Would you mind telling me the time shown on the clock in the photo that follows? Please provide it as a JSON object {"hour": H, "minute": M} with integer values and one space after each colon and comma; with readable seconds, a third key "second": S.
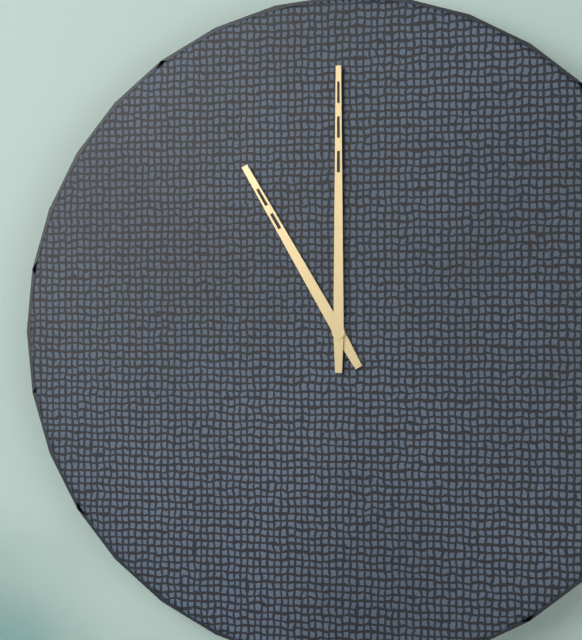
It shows {"hour": 11, "minute": 0}
